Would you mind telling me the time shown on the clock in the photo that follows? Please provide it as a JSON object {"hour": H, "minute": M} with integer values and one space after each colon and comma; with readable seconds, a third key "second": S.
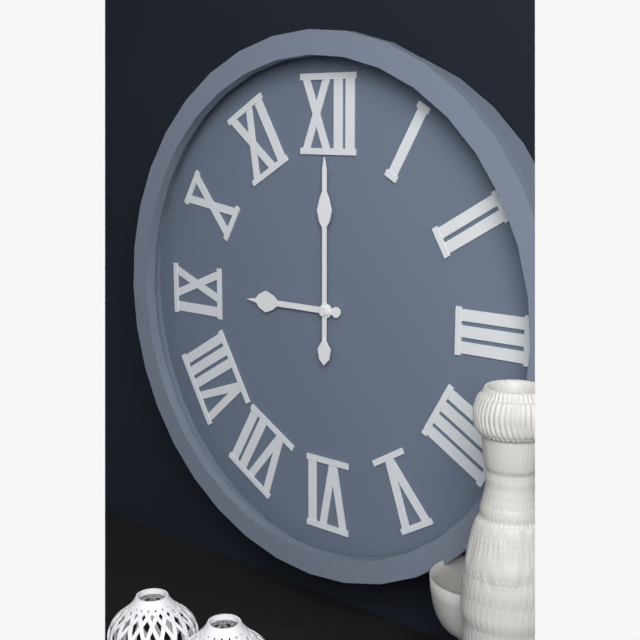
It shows {"hour": 9, "minute": 0}
